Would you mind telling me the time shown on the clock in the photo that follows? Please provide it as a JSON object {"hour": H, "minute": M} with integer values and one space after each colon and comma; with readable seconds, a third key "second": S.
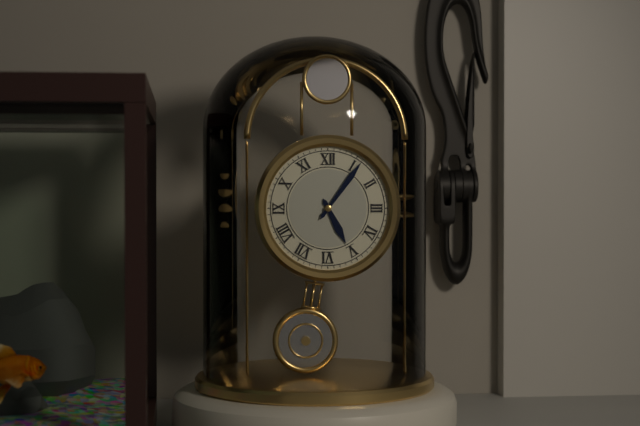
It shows {"hour": 5, "minute": 6}
